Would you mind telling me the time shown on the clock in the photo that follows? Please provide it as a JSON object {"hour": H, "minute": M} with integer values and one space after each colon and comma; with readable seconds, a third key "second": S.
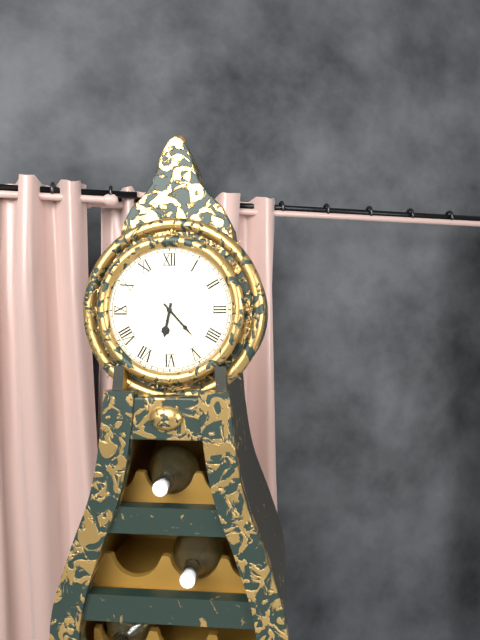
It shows {"hour": 6, "minute": 23}
